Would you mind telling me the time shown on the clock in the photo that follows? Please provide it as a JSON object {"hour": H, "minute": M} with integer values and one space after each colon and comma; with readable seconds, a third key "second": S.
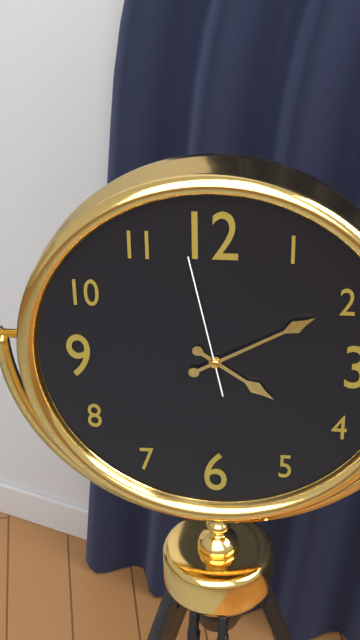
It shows {"hour": 4, "minute": 10, "second": 58}
